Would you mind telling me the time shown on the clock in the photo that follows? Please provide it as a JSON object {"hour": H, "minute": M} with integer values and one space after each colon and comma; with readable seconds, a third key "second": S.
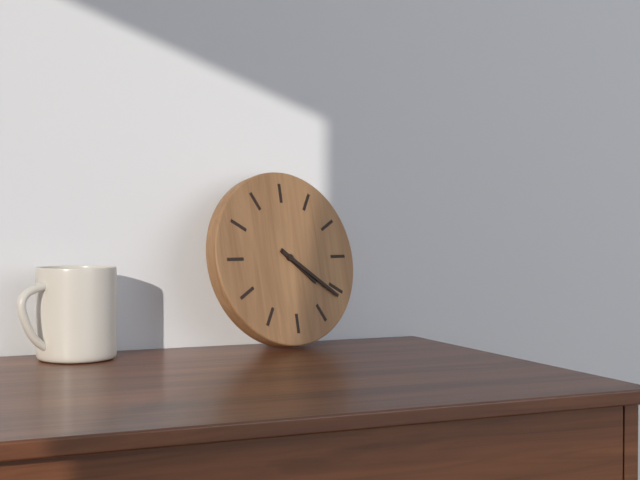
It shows {"hour": 4, "minute": 21}
